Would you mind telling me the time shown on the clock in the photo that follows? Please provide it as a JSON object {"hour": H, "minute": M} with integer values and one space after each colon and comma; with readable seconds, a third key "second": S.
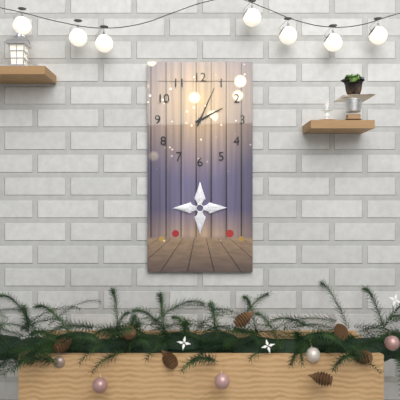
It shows {"hour": 2, "minute": 4}
